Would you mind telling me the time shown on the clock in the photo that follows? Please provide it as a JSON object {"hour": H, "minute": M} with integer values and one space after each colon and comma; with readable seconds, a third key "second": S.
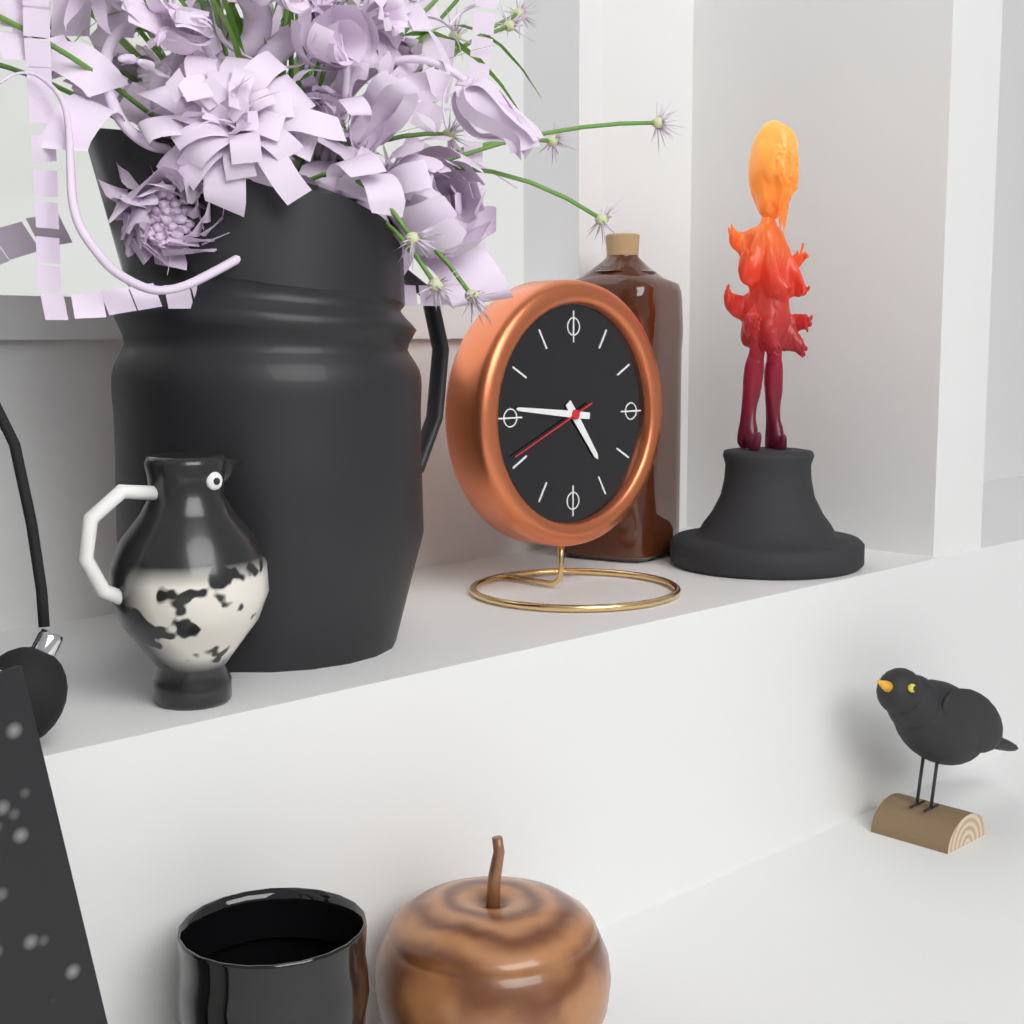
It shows {"hour": 4, "minute": 46, "second": 41}
